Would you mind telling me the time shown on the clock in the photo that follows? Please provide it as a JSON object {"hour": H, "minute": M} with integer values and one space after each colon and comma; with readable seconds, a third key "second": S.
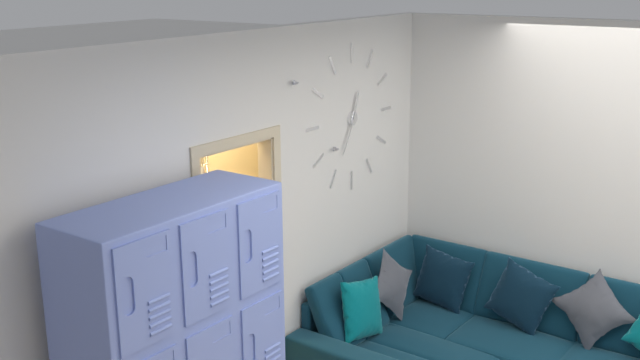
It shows {"hour": 12, "minute": 35}
